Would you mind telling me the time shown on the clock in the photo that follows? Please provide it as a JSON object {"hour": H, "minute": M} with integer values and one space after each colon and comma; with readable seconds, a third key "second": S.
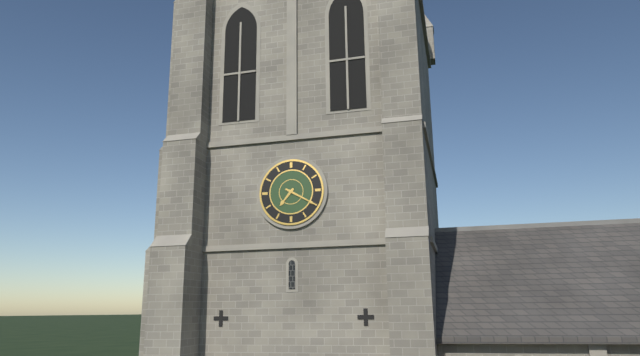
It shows {"hour": 7, "minute": 20}
